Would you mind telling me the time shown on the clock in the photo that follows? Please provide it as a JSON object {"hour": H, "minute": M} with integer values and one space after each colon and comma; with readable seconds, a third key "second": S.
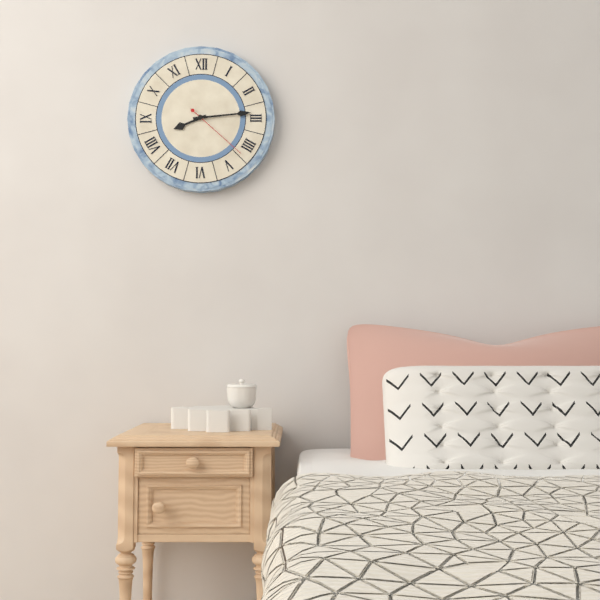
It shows {"hour": 8, "minute": 14, "second": 22}
